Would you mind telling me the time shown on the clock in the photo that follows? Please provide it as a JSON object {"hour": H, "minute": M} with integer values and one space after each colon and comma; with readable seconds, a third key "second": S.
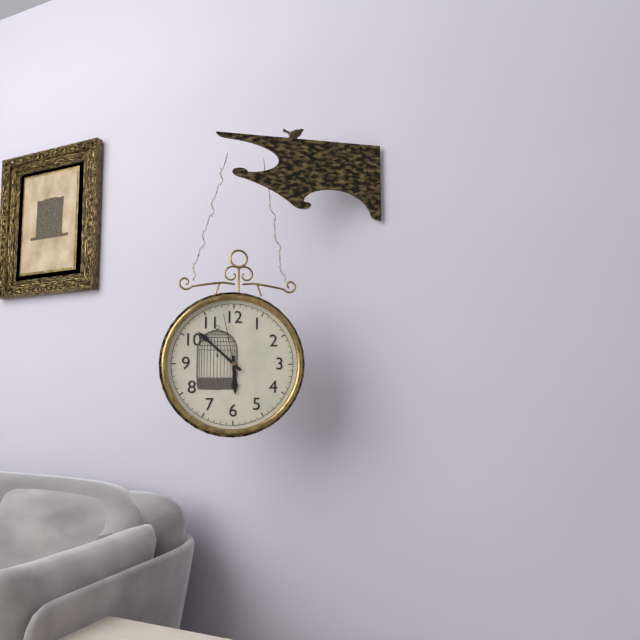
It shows {"hour": 5, "minute": 52, "second": 58}
